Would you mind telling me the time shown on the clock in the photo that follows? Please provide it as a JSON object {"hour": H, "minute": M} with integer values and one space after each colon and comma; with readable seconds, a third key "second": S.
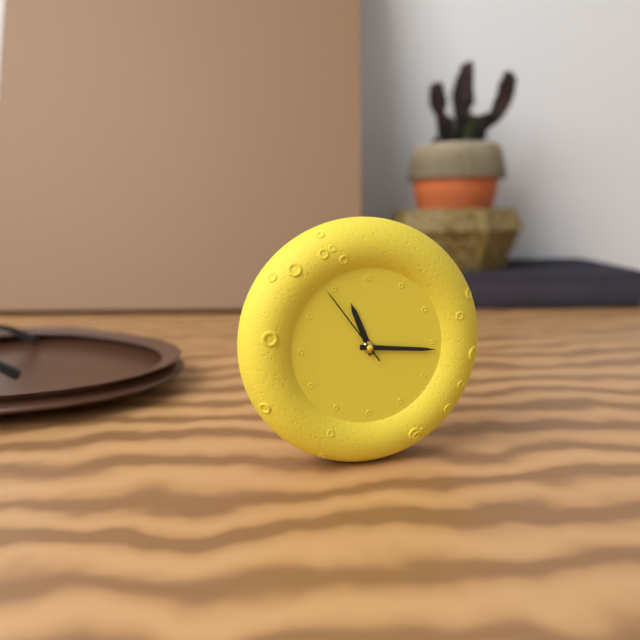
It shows {"hour": 11, "minute": 16, "second": 54}
